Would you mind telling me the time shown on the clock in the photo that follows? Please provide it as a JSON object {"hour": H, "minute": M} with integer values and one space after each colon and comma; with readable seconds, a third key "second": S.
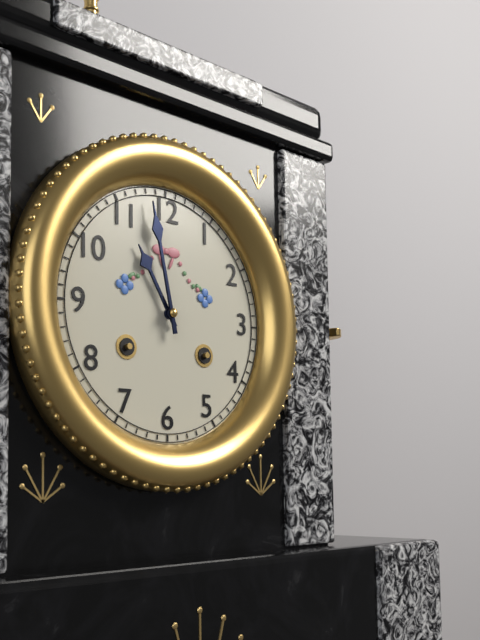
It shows {"hour": 10, "minute": 58}
